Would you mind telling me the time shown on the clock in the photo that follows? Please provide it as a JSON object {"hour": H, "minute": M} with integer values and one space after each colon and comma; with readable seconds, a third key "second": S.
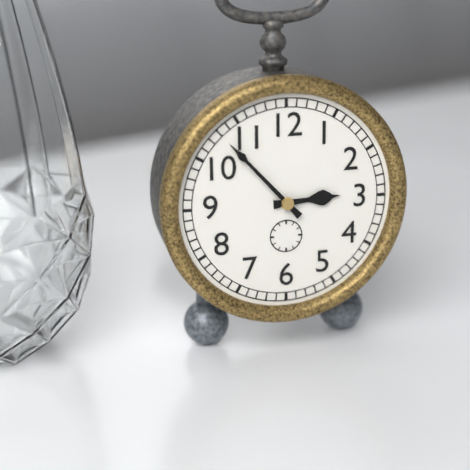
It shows {"hour": 2, "minute": 53}
